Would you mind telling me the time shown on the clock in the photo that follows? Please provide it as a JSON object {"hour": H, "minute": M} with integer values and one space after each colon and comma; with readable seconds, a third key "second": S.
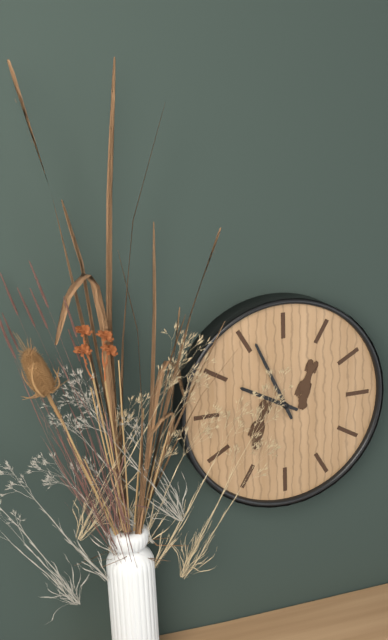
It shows {"hour": 9, "minute": 56}
